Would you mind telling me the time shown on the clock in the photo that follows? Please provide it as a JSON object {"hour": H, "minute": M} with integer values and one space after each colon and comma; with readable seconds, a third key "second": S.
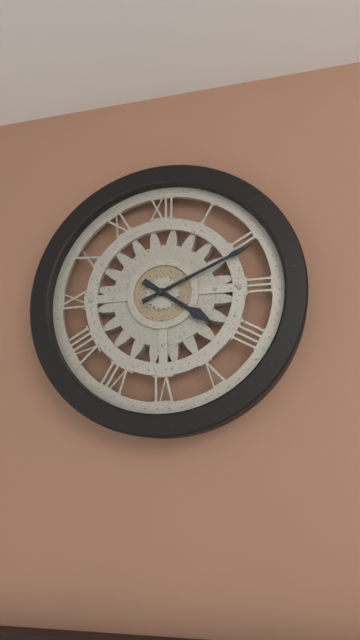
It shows {"hour": 4, "minute": 11}
